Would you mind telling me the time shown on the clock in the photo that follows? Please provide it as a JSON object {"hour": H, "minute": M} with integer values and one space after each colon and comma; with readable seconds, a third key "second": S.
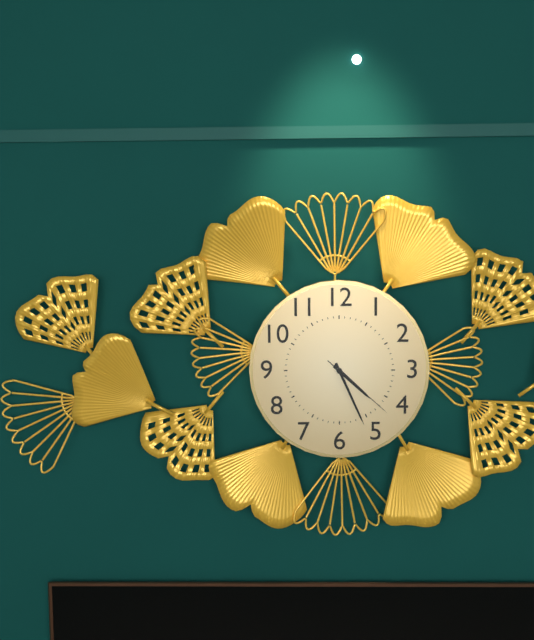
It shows {"hour": 4, "minute": 26, "second": 22}
